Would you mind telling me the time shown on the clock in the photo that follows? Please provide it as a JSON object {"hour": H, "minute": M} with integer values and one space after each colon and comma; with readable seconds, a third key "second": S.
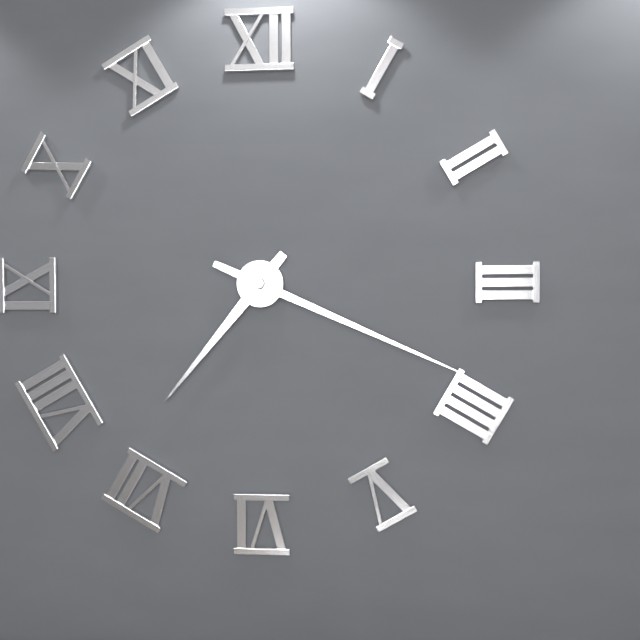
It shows {"hour": 7, "minute": 19}
